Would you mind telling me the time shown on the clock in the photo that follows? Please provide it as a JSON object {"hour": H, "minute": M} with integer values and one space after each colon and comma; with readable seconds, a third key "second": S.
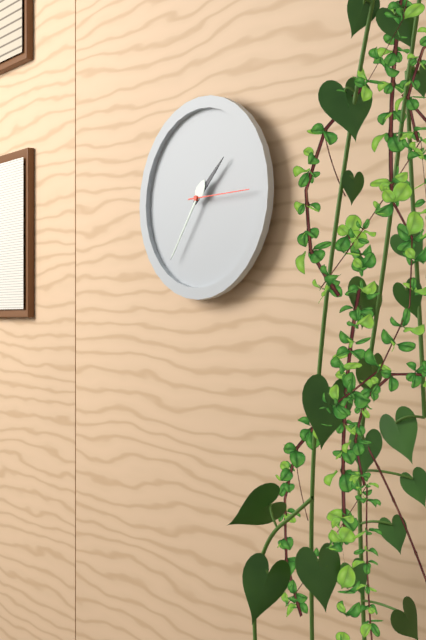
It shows {"hour": 1, "minute": 36, "second": 15}
